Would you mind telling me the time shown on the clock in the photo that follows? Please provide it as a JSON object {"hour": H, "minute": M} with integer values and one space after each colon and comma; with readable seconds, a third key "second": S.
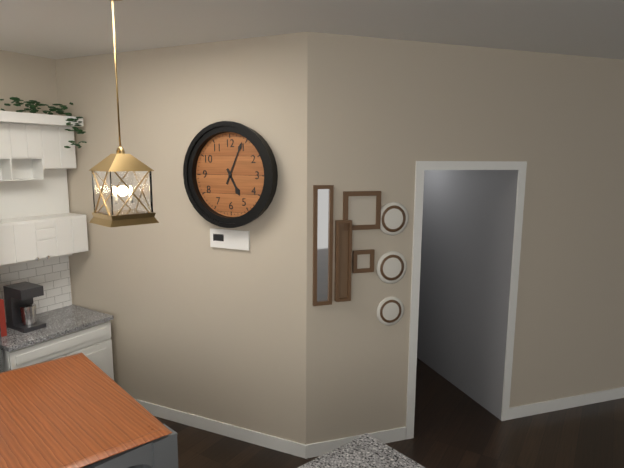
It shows {"hour": 5, "minute": 4}
